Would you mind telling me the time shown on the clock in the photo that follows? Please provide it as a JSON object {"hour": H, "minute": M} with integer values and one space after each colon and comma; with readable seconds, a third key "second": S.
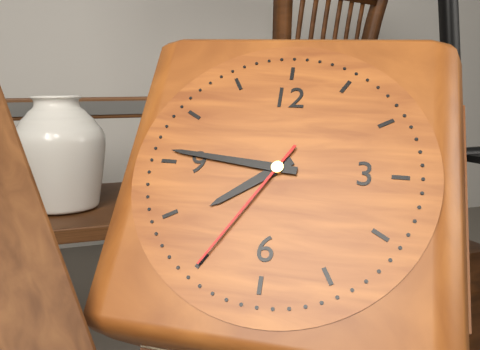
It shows {"hour": 7, "minute": 46, "second": 35}
